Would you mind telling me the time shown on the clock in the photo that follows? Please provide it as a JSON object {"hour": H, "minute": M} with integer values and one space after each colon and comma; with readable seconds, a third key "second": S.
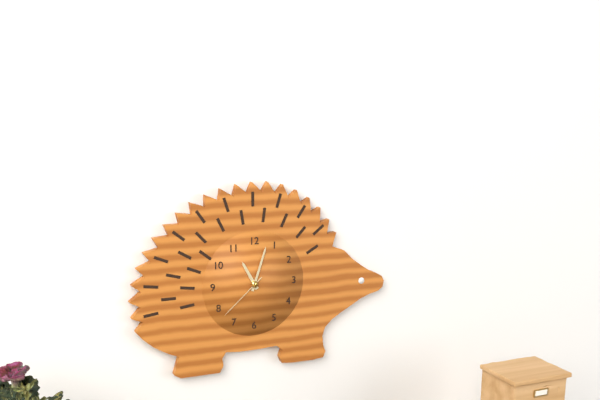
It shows {"hour": 11, "minute": 3, "second": 38}
